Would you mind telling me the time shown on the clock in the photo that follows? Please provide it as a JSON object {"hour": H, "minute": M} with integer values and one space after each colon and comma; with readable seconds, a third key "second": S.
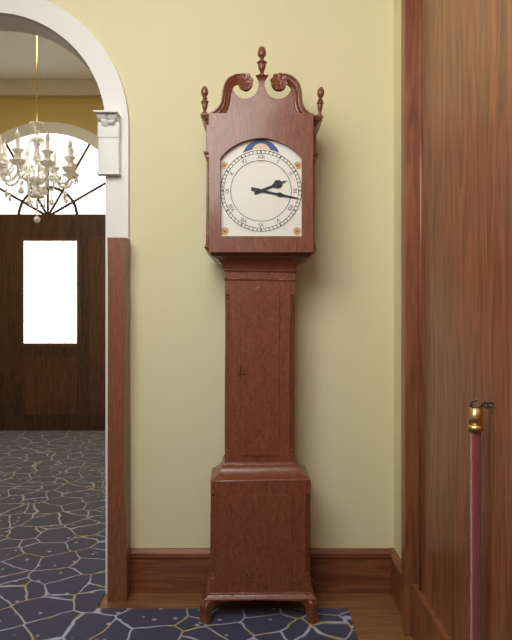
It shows {"hour": 2, "minute": 17}
